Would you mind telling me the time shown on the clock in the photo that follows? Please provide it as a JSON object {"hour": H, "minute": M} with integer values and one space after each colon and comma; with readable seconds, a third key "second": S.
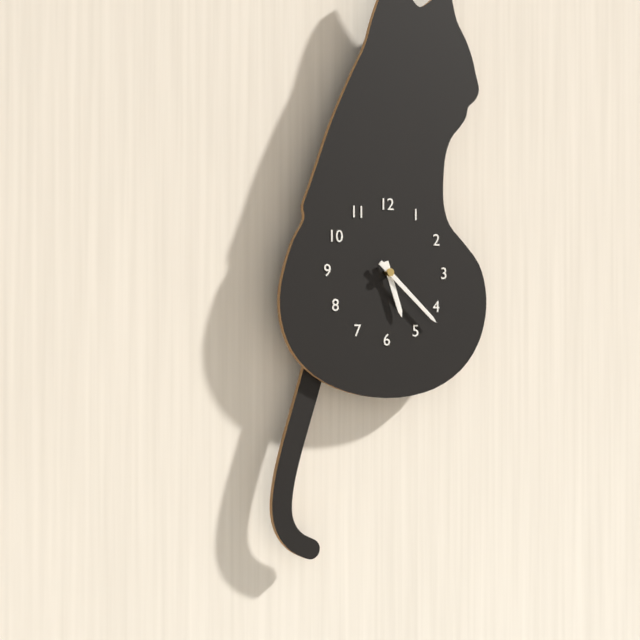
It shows {"hour": 5, "minute": 22}
